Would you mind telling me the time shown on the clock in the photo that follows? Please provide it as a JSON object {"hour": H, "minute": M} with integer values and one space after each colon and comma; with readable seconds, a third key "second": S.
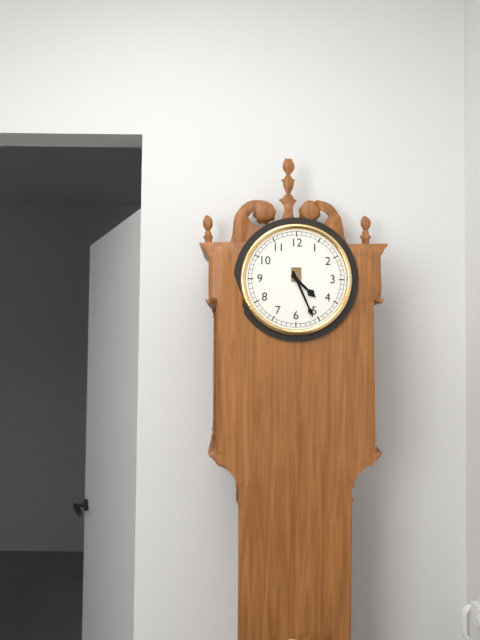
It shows {"hour": 4, "minute": 26}
